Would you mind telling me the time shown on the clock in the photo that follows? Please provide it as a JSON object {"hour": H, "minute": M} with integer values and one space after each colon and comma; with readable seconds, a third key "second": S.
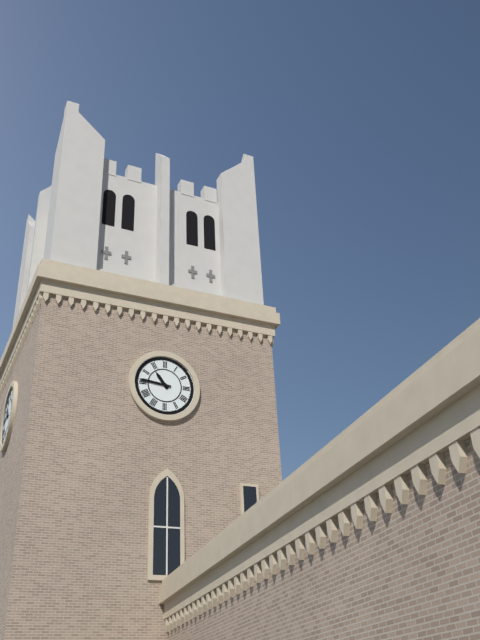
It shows {"hour": 10, "minute": 46}
